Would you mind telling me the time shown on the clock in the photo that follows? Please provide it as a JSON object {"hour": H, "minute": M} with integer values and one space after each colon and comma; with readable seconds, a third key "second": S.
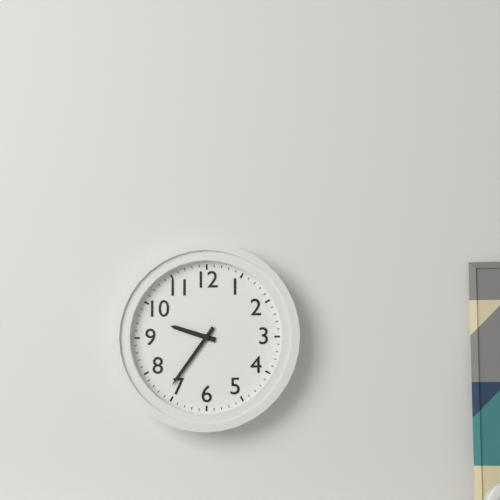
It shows {"hour": 9, "minute": 36}
